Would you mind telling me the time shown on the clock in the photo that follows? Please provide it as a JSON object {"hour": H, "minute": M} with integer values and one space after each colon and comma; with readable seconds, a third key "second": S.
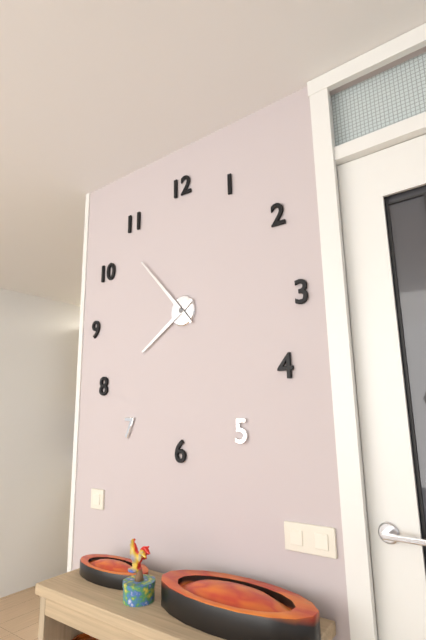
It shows {"hour": 7, "minute": 53}
